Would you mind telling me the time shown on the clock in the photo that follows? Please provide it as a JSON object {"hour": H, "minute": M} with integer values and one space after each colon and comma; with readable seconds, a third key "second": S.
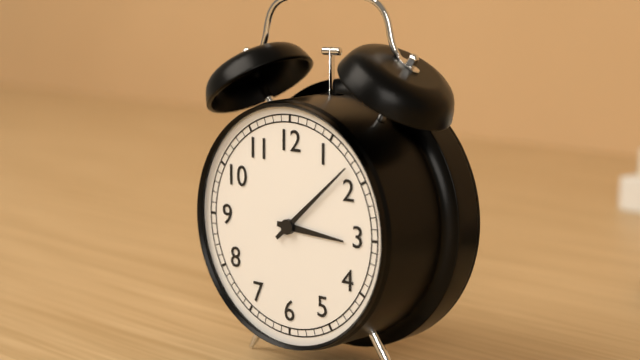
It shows {"hour": 3, "minute": 8}
